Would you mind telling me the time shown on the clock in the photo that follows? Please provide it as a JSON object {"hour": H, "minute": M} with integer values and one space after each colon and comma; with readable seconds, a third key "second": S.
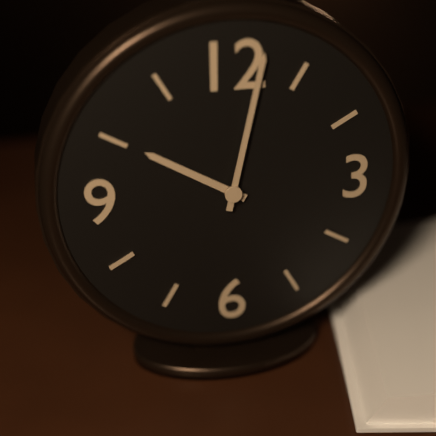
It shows {"hour": 10, "minute": 2}
